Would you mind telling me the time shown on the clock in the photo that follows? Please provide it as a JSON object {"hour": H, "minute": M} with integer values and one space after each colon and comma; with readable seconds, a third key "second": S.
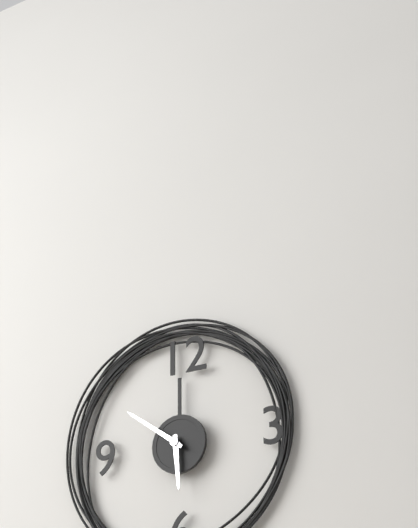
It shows {"hour": 5, "minute": 51}
